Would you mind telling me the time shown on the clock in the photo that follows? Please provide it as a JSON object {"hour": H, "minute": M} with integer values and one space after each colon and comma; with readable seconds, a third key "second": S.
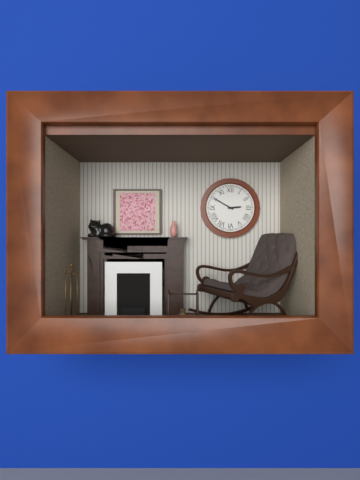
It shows {"hour": 2, "minute": 50}
